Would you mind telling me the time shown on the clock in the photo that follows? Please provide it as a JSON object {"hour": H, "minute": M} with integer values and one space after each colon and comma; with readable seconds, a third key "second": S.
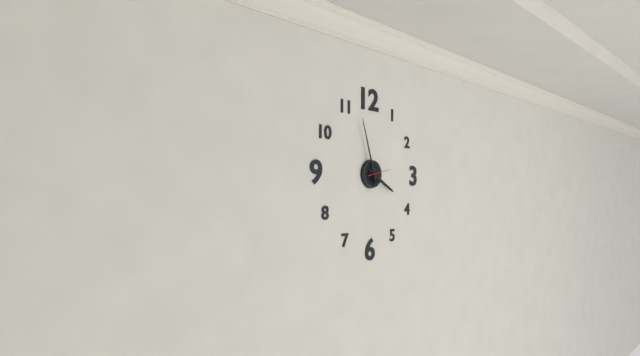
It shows {"hour": 3, "minute": 57}
